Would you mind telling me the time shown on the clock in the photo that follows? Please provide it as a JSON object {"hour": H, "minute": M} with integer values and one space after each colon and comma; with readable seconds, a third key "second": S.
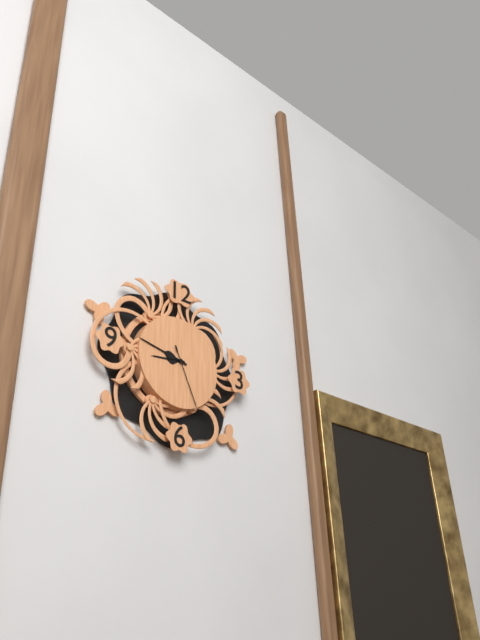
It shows {"hour": 8, "minute": 47, "second": 26}
